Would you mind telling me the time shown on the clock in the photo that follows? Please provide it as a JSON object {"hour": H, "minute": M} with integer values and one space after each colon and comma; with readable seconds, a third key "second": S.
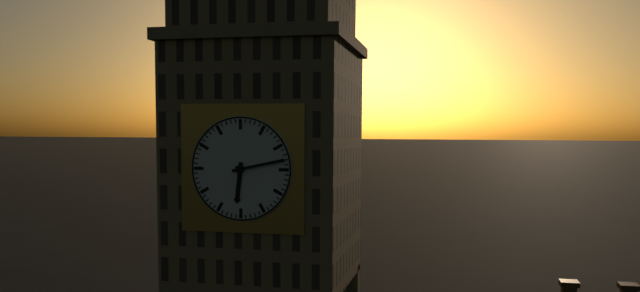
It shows {"hour": 6, "minute": 13}
